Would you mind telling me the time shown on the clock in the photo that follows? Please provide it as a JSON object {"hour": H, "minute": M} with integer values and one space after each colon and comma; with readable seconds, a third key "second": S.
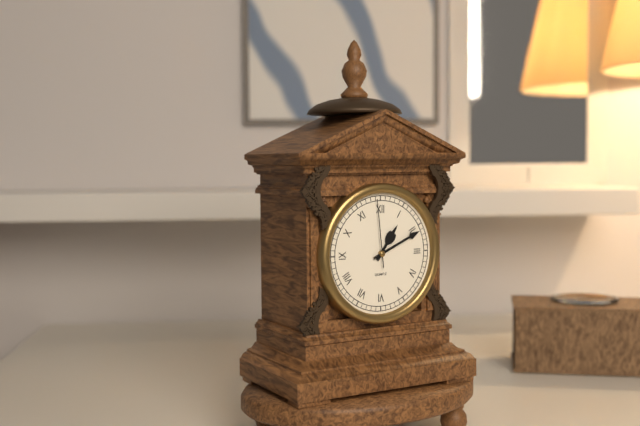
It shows {"hour": 1, "minute": 11, "second": 59}
